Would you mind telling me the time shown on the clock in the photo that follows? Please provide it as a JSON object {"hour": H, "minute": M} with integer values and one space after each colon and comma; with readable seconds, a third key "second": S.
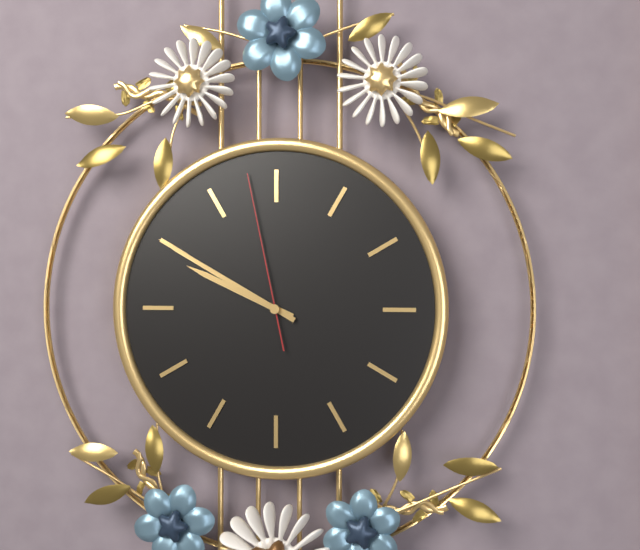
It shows {"hour": 9, "minute": 50, "second": 58}
